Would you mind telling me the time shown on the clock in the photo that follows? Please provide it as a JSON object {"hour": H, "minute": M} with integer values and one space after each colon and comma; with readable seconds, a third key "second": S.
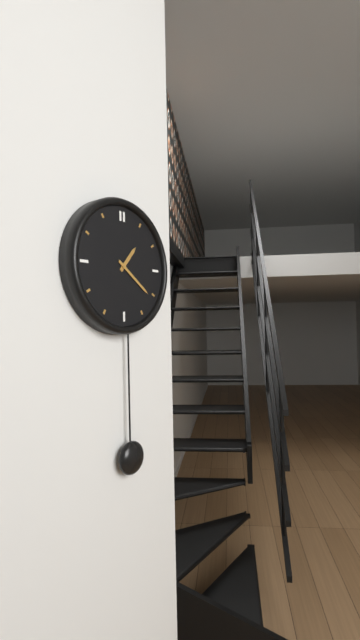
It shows {"hour": 1, "minute": 21}
